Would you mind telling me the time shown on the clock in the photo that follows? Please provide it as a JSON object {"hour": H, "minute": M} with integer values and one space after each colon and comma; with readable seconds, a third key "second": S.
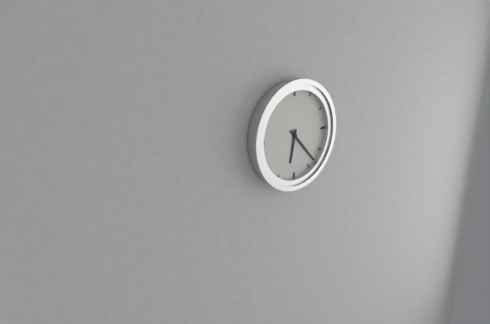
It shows {"hour": 6, "minute": 23}
